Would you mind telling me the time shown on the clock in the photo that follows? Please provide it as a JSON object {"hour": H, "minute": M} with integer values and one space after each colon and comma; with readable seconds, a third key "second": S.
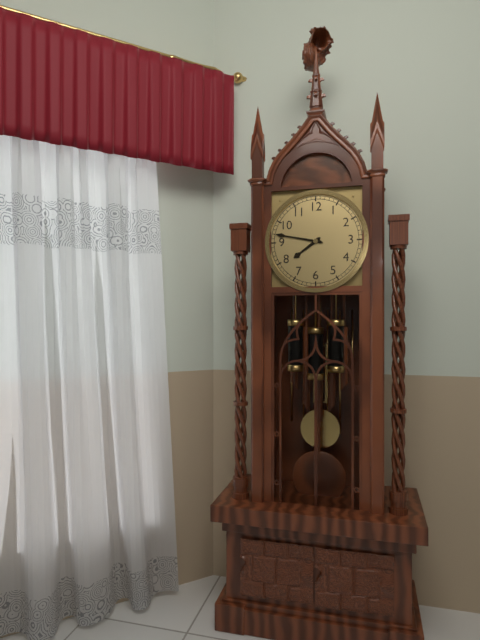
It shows {"hour": 7, "minute": 47}
